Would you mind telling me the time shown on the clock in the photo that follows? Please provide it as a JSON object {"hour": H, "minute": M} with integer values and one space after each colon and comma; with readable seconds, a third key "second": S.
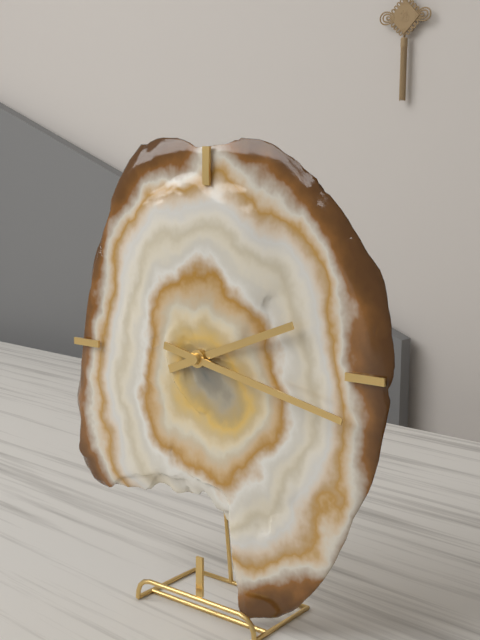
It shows {"hour": 2, "minute": 17}
